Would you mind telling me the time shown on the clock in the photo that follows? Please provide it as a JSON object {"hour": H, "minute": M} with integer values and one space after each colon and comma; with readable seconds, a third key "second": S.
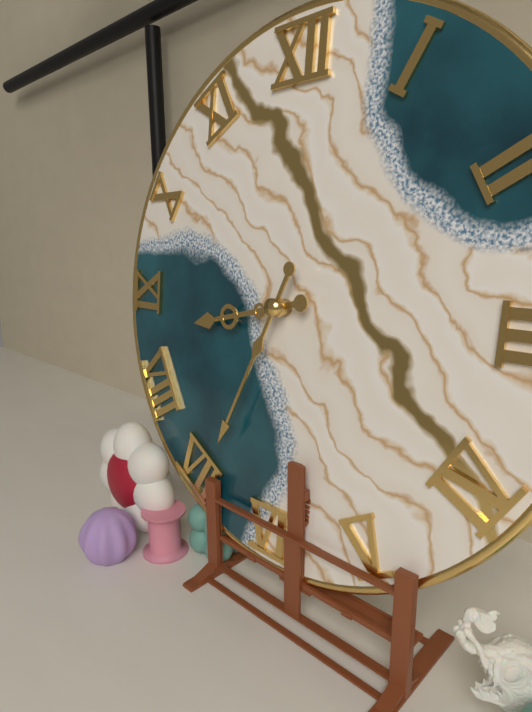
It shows {"hour": 8, "minute": 34}
